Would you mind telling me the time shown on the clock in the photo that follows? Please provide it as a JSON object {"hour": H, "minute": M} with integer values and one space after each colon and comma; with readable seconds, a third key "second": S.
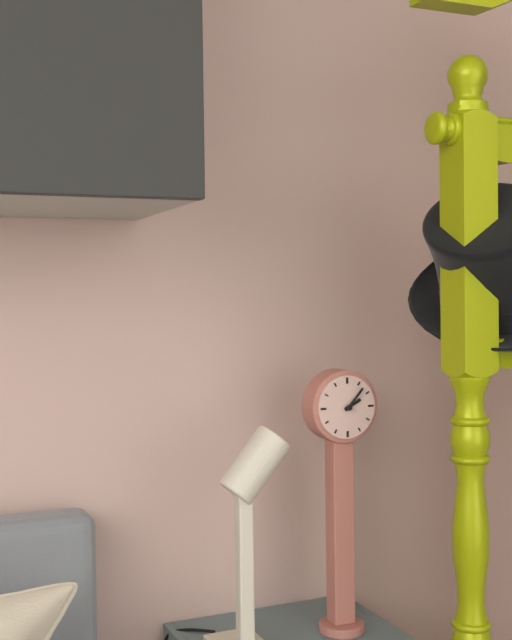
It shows {"hour": 2, "minute": 7}
